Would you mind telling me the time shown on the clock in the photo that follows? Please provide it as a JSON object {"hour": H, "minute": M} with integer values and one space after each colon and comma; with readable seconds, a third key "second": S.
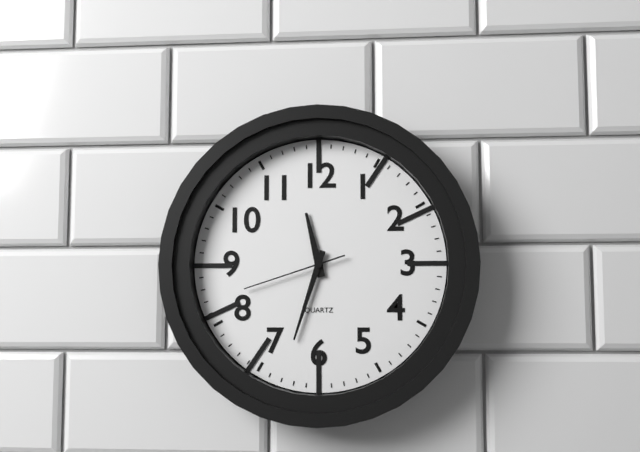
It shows {"hour": 11, "minute": 33, "second": 42}
